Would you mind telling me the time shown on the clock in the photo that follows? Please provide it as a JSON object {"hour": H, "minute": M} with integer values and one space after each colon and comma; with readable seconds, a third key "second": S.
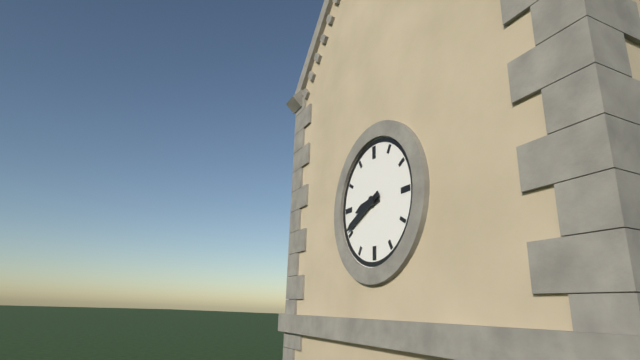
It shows {"hour": 8, "minute": 41}
